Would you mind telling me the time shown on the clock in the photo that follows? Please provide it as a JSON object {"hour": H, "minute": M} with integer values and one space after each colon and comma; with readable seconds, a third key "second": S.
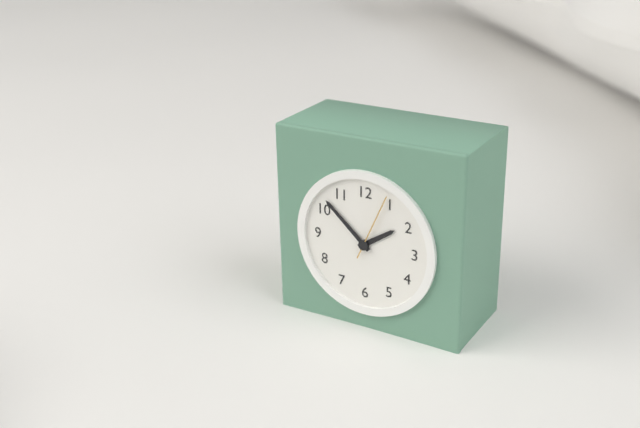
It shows {"hour": 1, "minute": 52, "second": 4}
